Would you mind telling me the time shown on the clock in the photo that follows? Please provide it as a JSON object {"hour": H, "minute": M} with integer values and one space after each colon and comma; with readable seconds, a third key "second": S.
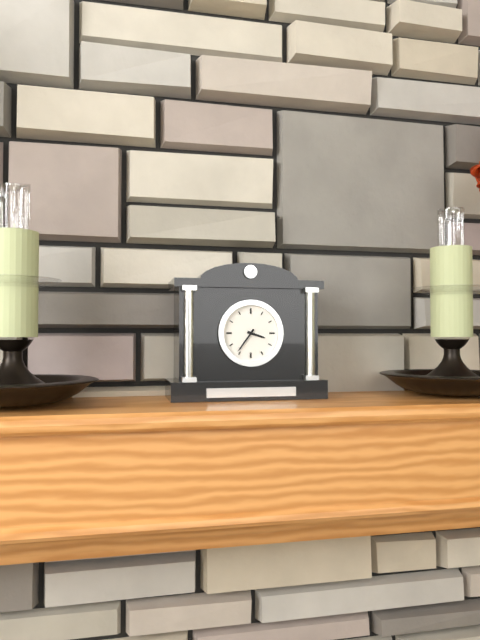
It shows {"hour": 3, "minute": 36}
